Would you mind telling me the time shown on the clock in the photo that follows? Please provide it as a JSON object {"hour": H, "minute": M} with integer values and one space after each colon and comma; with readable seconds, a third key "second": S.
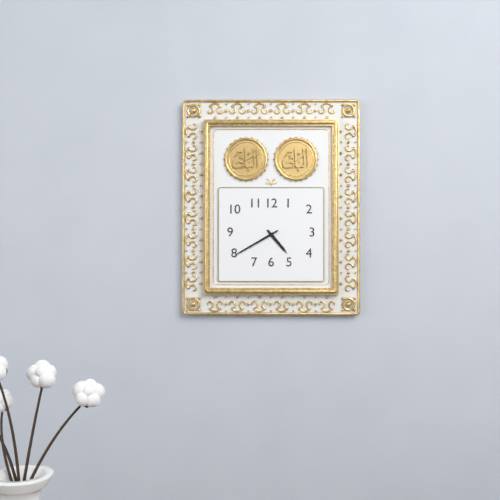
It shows {"hour": 4, "minute": 40}
